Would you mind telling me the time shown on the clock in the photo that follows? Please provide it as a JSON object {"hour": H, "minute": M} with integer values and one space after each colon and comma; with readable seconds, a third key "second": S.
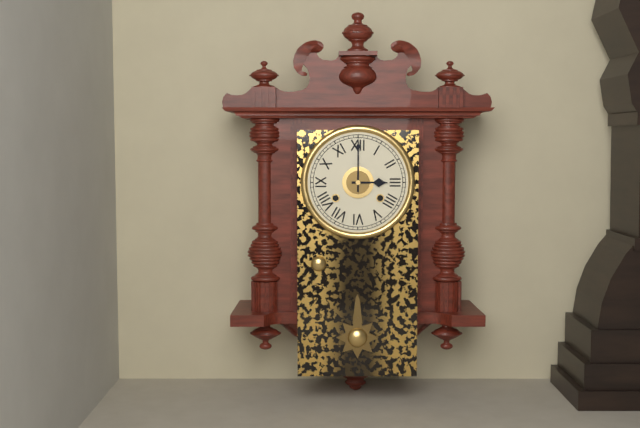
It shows {"hour": 3, "minute": 0}
